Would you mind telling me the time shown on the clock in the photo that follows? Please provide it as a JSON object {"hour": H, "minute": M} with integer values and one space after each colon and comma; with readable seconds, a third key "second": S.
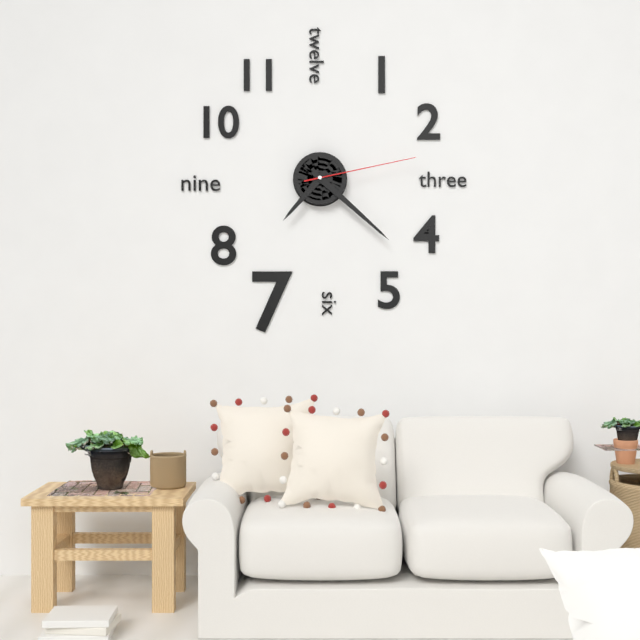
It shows {"hour": 7, "minute": 22, "second": 13}
